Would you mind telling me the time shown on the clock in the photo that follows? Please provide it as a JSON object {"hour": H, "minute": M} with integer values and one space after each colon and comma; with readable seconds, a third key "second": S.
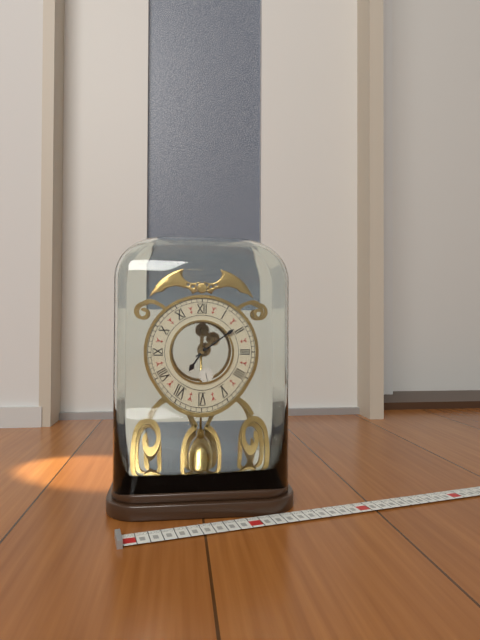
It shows {"hour": 7, "minute": 9}
